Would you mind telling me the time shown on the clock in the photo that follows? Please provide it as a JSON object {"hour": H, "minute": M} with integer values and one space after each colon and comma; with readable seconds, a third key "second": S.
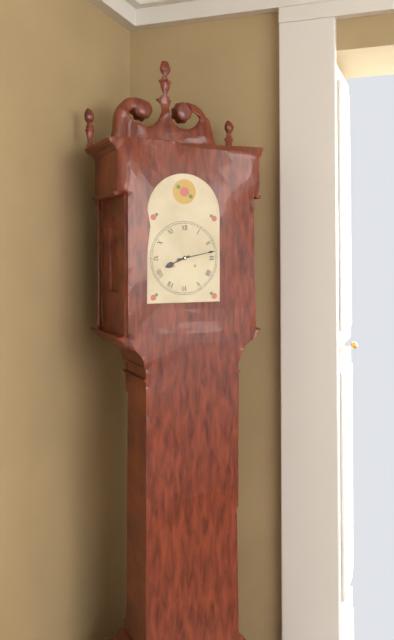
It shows {"hour": 8, "minute": 13}
